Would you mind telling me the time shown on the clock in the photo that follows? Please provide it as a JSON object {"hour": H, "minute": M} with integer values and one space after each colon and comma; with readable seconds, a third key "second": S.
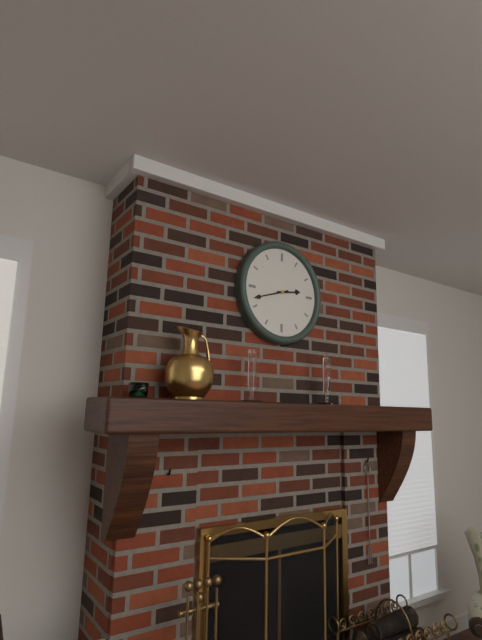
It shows {"hour": 2, "minute": 42}
